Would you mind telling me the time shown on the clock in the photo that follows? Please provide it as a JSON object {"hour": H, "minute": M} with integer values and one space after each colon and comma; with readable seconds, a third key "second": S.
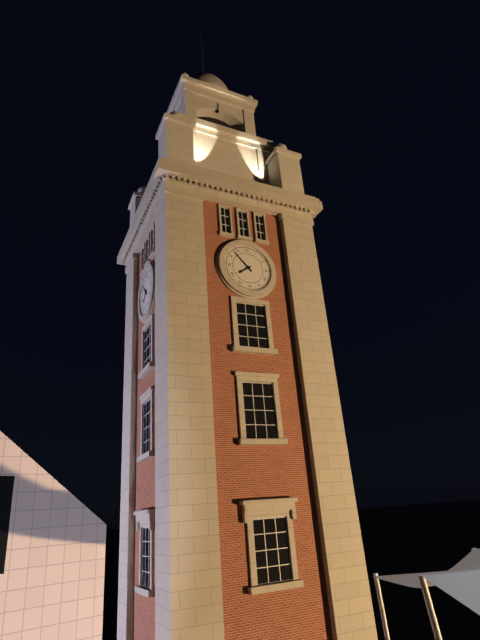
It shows {"hour": 7, "minute": 53}
